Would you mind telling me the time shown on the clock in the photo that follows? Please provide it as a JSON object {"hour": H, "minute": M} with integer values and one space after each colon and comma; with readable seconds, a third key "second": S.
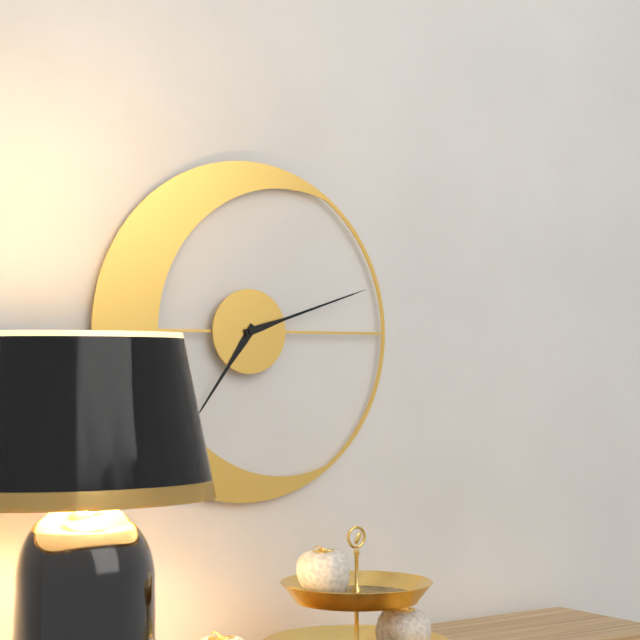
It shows {"hour": 7, "minute": 12}
